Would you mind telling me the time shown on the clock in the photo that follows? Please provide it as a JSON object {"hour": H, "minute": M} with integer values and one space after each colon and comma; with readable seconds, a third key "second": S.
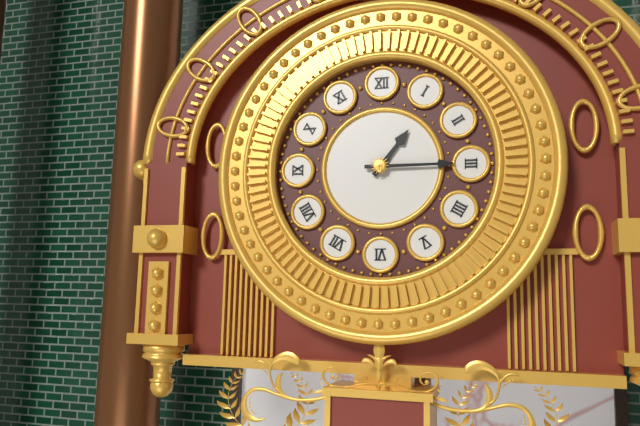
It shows {"hour": 1, "minute": 15}
